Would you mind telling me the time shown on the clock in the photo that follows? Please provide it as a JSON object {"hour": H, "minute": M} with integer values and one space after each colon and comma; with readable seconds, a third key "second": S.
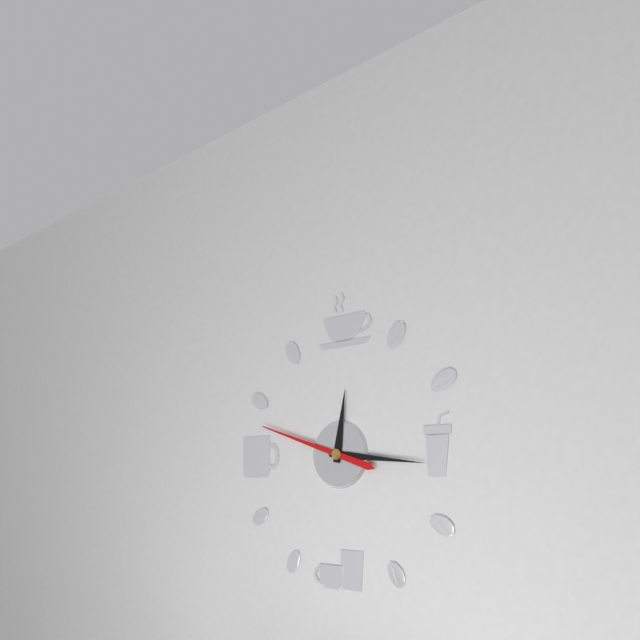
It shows {"hour": 12, "minute": 16, "second": 48}
